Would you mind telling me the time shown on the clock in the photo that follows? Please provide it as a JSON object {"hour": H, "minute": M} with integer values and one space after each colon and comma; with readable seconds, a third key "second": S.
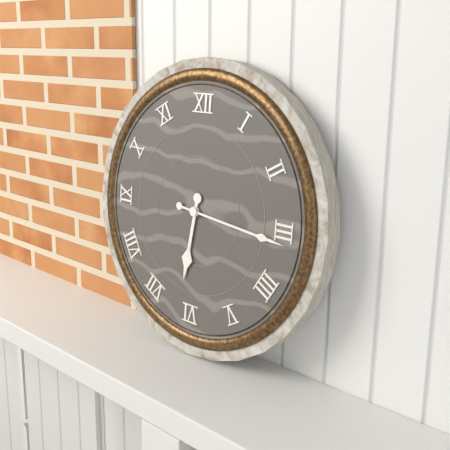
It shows {"hour": 6, "minute": 16}
